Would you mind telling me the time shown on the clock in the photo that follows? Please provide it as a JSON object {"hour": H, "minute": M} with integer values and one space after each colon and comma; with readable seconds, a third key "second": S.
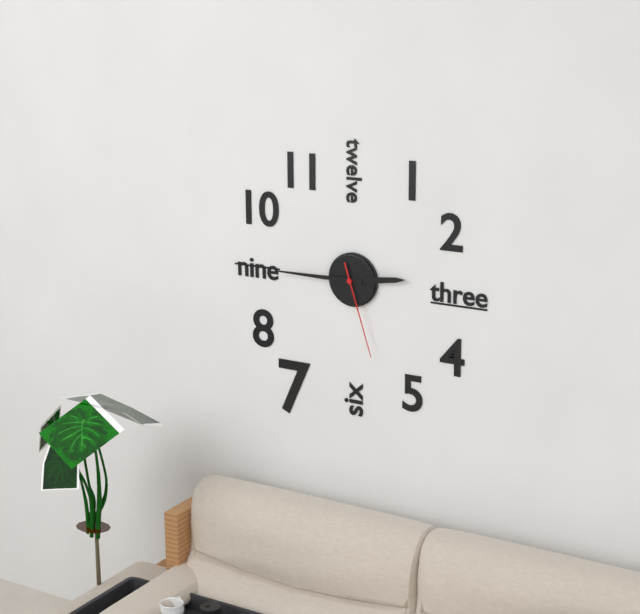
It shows {"hour": 2, "minute": 45, "second": 27}
